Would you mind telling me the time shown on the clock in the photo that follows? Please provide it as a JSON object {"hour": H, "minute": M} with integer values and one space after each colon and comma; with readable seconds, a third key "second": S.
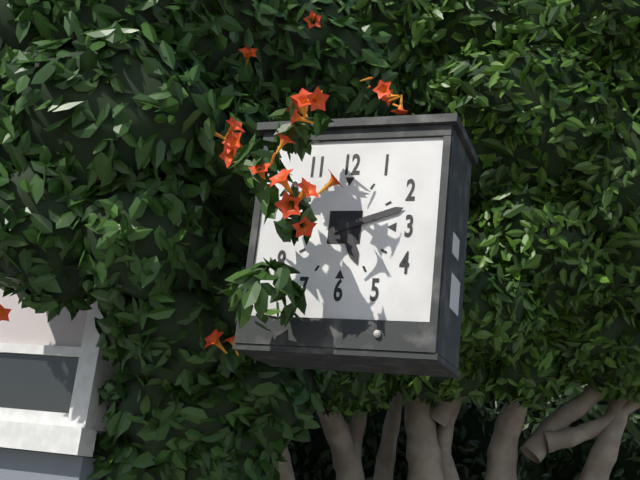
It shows {"hour": 5, "minute": 12}
